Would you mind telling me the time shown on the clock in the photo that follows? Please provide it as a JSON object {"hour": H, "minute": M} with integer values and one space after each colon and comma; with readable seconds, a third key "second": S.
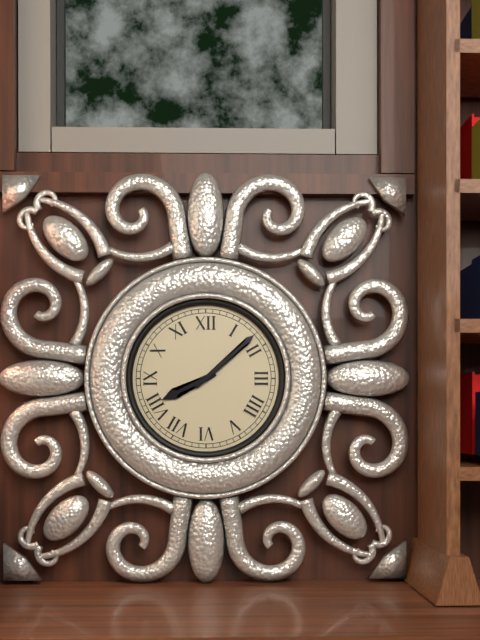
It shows {"hour": 8, "minute": 8}
